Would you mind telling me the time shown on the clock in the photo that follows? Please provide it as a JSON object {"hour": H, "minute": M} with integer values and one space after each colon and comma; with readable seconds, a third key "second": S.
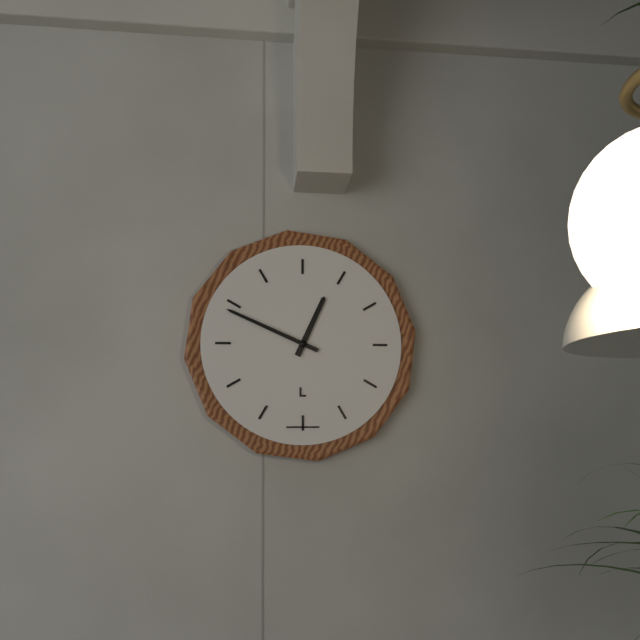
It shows {"hour": 12, "minute": 49}
